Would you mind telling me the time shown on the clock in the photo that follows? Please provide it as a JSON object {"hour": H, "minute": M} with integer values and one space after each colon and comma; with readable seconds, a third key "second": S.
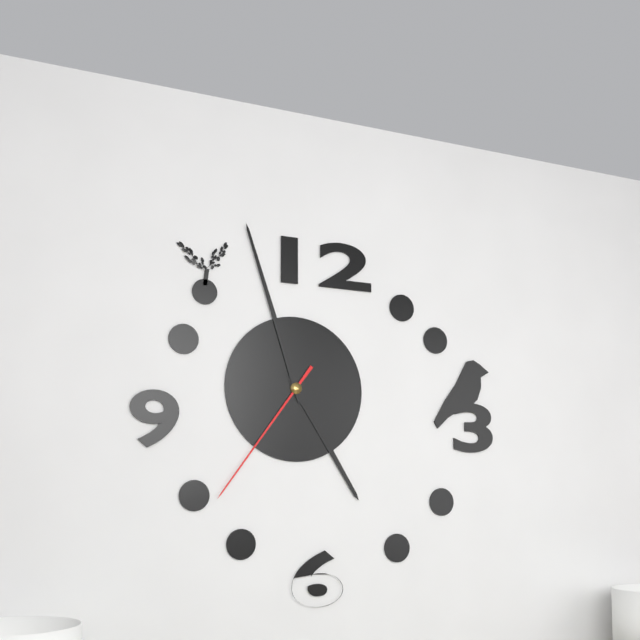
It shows {"hour": 4, "minute": 57, "second": 36}
